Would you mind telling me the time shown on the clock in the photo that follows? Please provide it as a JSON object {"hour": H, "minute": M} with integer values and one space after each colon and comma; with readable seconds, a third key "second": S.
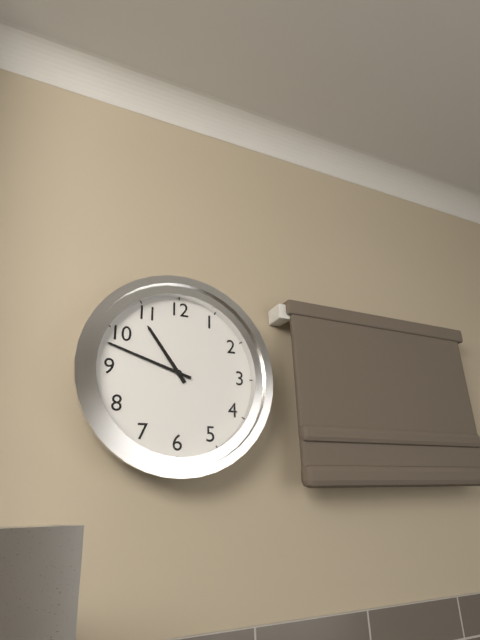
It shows {"hour": 10, "minute": 48}
